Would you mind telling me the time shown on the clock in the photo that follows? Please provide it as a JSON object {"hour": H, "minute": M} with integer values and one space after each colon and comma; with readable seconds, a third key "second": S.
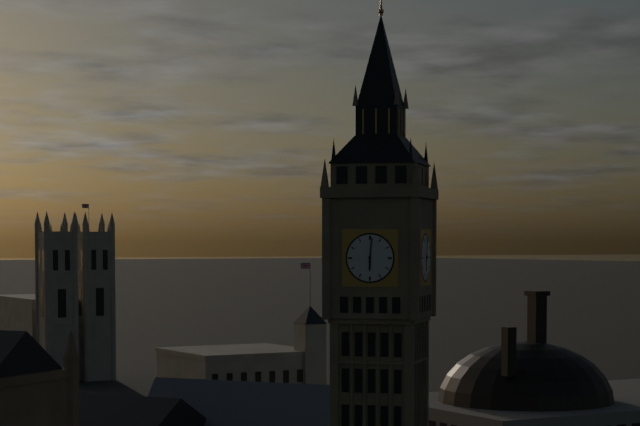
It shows {"hour": 6, "minute": 1}
